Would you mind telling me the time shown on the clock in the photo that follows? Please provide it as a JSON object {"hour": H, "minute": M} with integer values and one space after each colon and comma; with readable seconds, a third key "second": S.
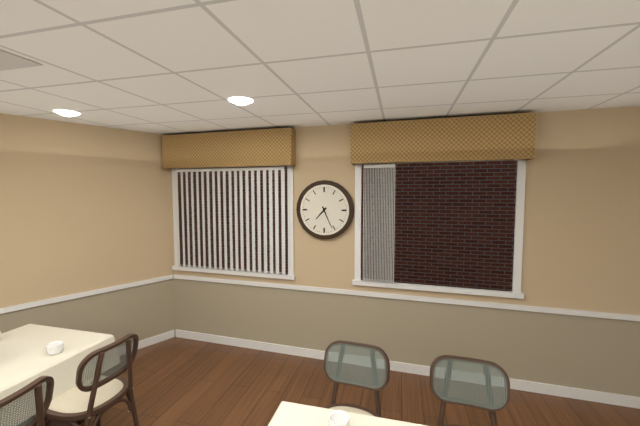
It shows {"hour": 7, "minute": 26}
